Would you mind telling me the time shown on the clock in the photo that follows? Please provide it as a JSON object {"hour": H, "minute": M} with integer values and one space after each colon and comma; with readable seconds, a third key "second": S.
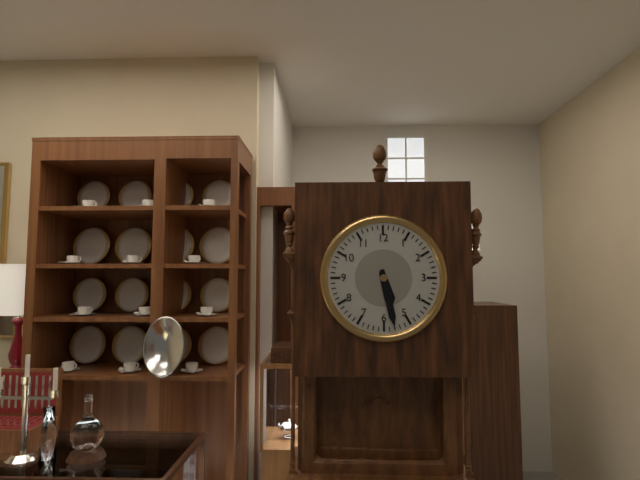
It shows {"hour": 5, "minute": 28}
